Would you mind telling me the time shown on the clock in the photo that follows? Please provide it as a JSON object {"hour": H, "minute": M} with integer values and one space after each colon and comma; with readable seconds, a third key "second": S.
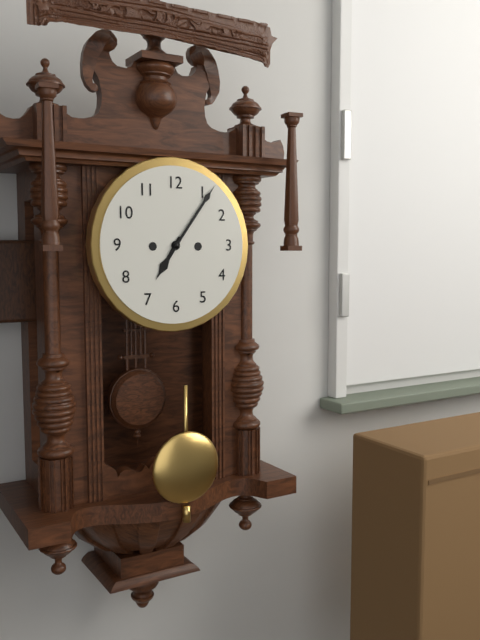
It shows {"hour": 7, "minute": 6}
